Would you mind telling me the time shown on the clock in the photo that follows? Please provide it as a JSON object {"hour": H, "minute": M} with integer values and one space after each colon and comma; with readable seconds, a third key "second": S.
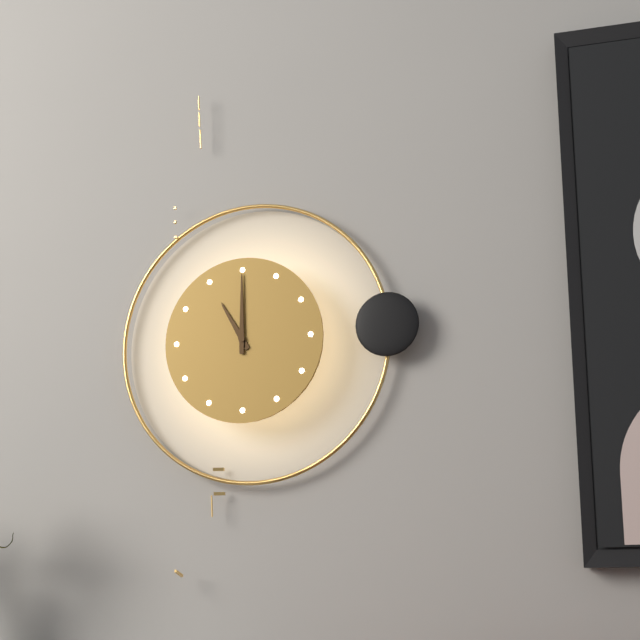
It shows {"hour": 11, "minute": 0}
